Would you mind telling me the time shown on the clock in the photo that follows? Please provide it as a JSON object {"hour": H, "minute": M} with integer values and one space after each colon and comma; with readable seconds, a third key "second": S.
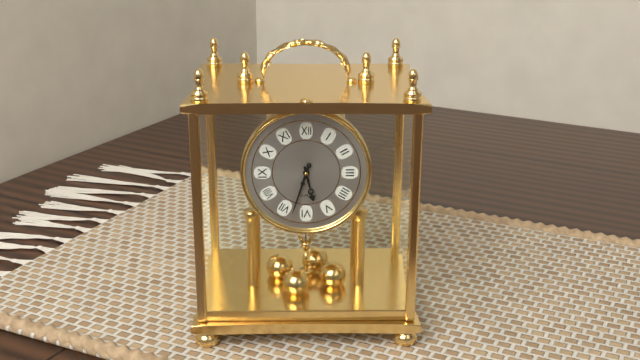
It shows {"hour": 5, "minute": 33}
